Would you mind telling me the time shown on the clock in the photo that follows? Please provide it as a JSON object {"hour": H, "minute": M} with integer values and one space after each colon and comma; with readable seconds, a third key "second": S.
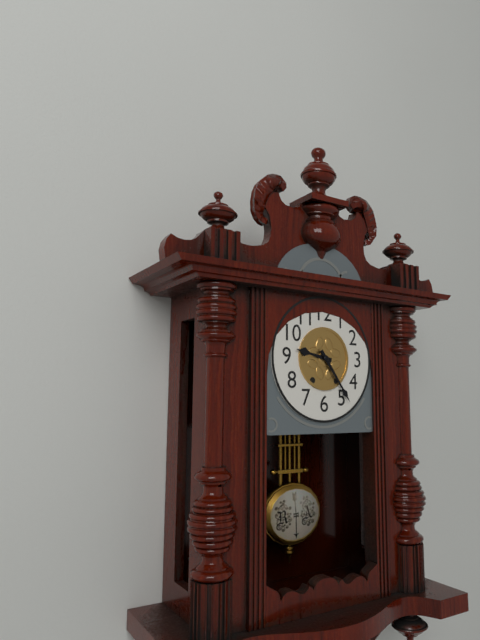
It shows {"hour": 9, "minute": 24}
